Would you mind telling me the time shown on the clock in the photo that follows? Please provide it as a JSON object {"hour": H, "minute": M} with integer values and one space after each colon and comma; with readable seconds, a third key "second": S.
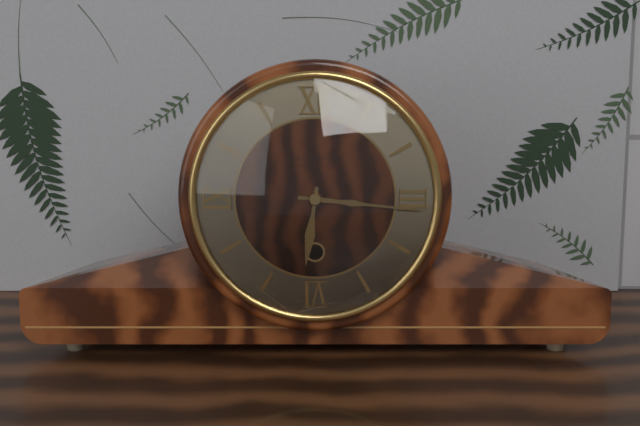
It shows {"hour": 6, "minute": 16}
